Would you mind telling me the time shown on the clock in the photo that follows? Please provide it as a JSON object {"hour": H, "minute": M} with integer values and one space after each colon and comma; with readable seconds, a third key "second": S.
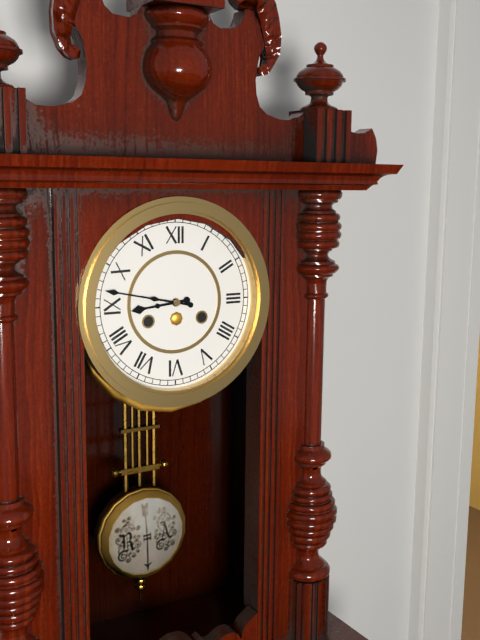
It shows {"hour": 8, "minute": 47}
